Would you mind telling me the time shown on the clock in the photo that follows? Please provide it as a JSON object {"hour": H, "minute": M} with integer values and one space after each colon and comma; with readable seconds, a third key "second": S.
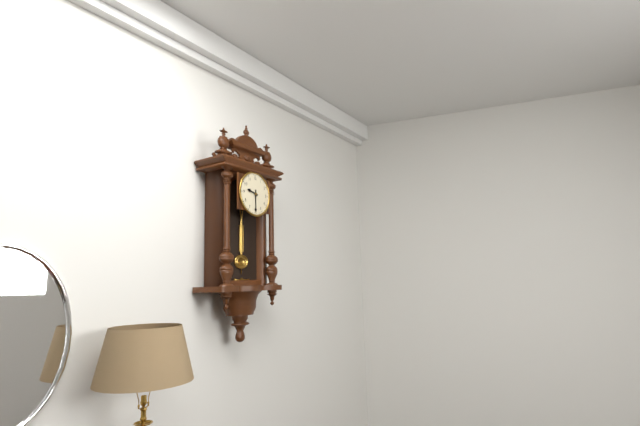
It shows {"hour": 9, "minute": 30}
